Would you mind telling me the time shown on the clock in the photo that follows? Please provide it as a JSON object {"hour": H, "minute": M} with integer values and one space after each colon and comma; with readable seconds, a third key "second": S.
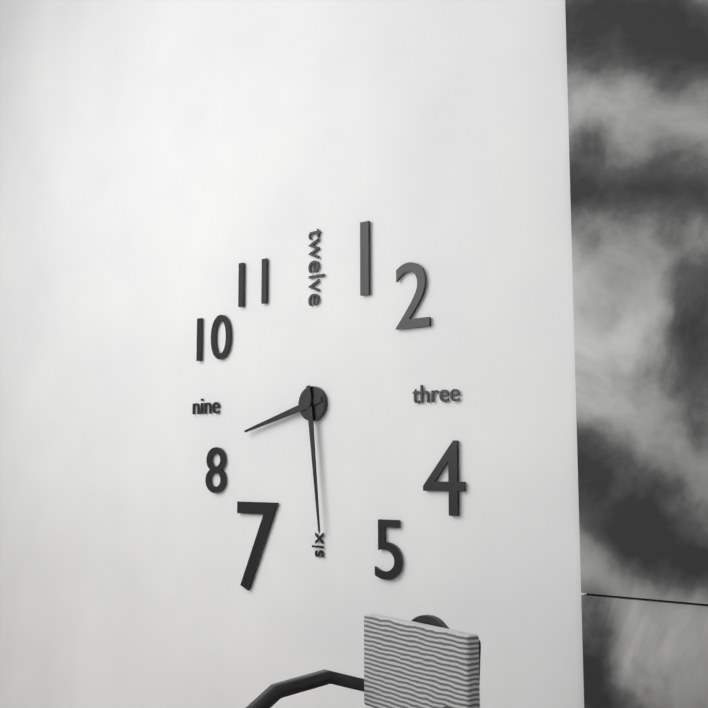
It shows {"hour": 8, "minute": 29}
